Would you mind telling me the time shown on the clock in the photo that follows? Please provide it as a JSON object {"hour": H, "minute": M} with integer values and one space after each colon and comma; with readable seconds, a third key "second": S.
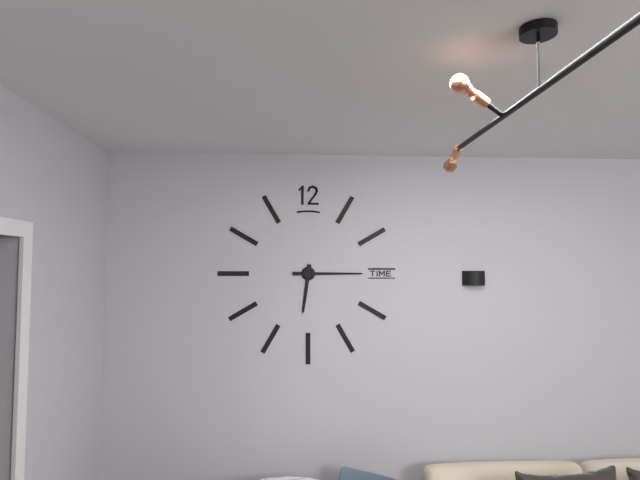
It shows {"hour": 6, "minute": 15}
